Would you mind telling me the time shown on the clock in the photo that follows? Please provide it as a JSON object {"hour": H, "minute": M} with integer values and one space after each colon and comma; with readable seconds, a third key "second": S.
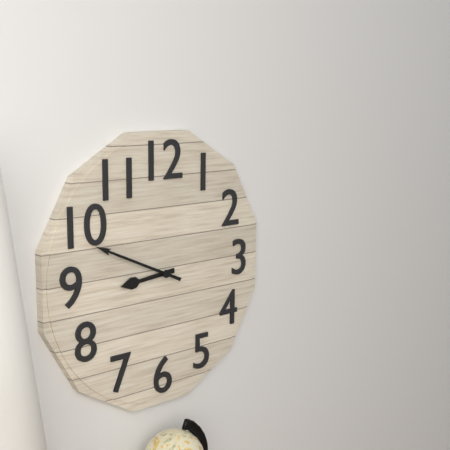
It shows {"hour": 8, "minute": 49}
